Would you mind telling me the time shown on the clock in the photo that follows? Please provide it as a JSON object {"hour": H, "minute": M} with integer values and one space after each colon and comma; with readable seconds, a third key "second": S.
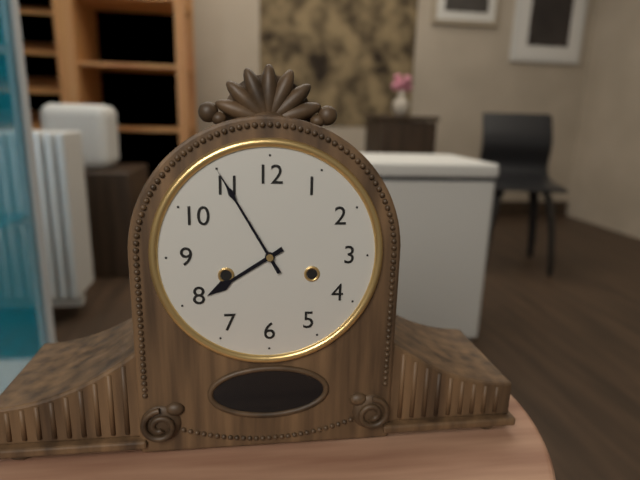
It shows {"hour": 7, "minute": 55}
